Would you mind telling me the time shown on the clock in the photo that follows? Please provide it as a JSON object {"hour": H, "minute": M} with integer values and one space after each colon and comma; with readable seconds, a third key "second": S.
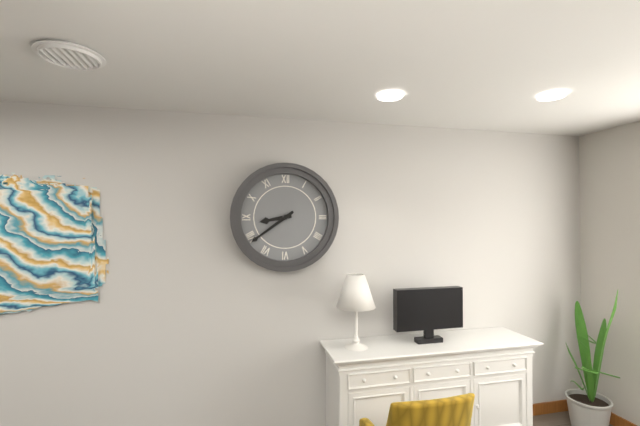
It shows {"hour": 8, "minute": 39}
